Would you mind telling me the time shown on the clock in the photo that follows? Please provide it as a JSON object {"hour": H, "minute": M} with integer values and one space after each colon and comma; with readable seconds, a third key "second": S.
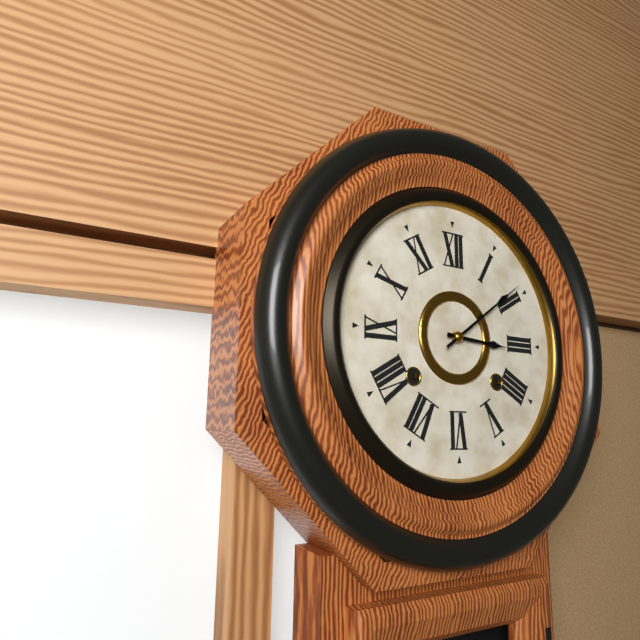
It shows {"hour": 3, "minute": 9}
